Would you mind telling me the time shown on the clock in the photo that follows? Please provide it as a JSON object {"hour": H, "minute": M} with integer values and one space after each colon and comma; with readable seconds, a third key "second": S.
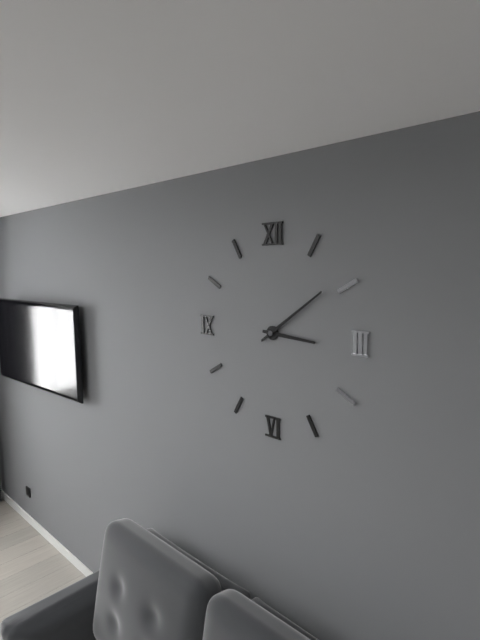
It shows {"hour": 3, "minute": 9}
